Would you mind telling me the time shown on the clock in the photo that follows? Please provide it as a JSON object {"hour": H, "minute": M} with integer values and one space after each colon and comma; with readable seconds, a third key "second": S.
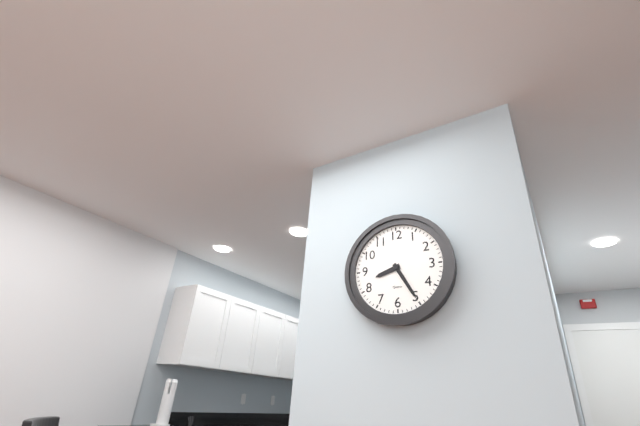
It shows {"hour": 8, "minute": 25}
